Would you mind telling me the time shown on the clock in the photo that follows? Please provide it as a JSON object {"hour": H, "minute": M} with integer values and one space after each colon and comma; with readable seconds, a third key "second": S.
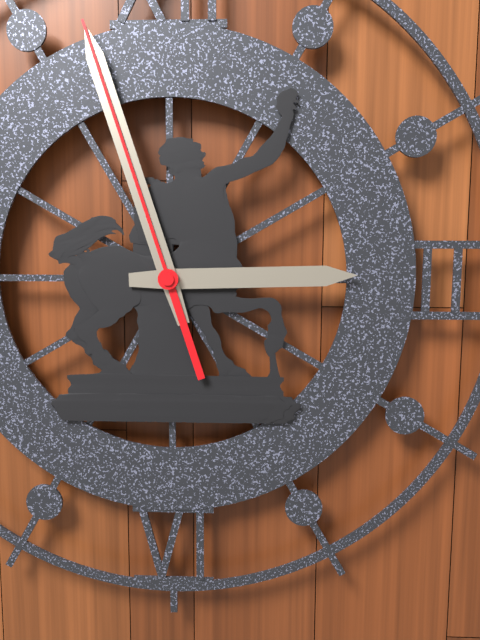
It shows {"hour": 2, "minute": 57, "second": 57}
